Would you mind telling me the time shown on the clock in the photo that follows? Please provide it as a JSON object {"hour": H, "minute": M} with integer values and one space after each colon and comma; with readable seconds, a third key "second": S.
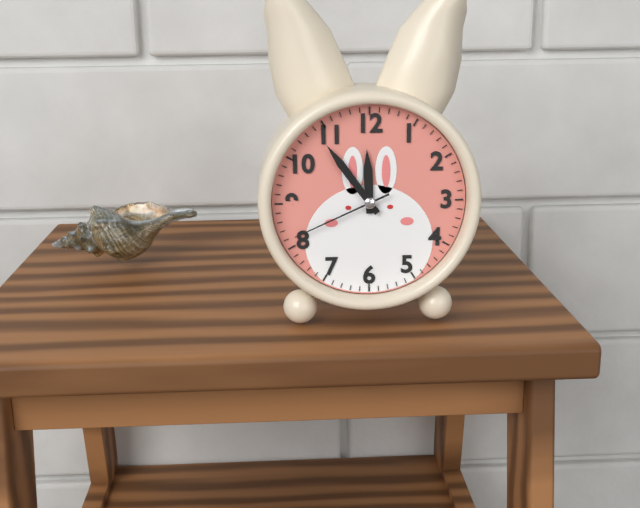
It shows {"hour": 11, "minute": 54, "second": 41}
